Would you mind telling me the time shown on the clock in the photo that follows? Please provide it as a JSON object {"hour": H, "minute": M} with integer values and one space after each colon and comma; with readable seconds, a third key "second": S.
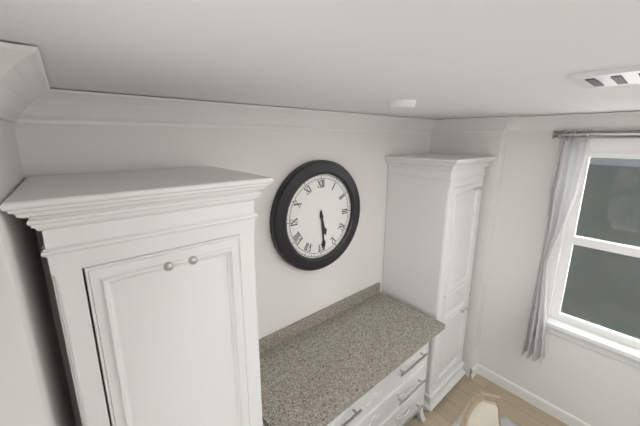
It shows {"hour": 5, "minute": 29}
